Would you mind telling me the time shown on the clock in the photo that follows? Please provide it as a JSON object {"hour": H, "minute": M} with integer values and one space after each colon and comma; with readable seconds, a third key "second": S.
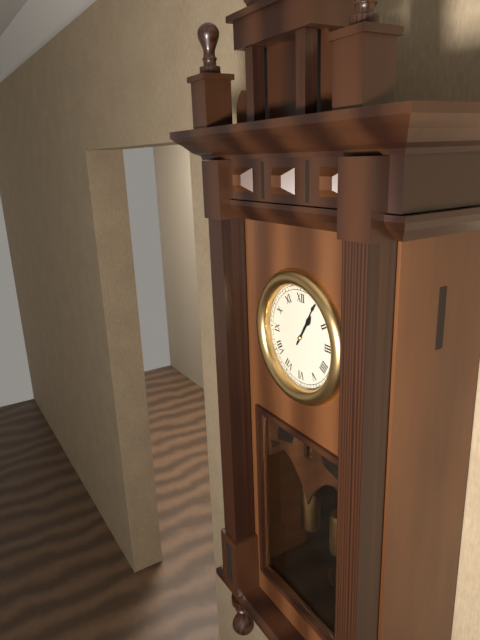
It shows {"hour": 1, "minute": 5}
